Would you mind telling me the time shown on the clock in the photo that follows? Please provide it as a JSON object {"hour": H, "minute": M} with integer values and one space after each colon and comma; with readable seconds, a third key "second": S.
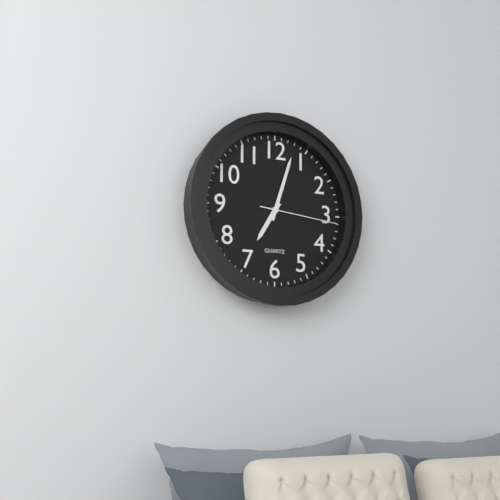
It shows {"hour": 7, "minute": 3, "second": 16}
